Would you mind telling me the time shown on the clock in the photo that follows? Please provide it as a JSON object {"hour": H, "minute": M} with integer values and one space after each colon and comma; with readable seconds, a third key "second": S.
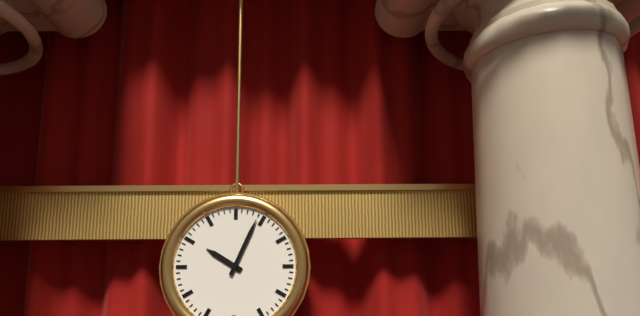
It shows {"hour": 10, "minute": 4}
